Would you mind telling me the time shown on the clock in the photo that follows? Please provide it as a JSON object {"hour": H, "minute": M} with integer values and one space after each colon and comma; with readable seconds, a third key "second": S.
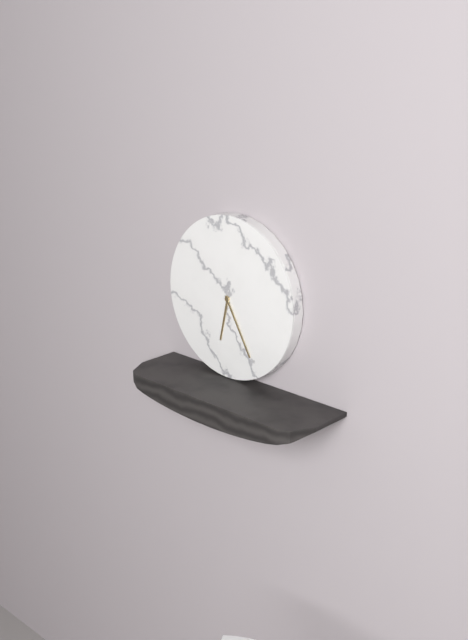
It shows {"hour": 6, "minute": 25}
